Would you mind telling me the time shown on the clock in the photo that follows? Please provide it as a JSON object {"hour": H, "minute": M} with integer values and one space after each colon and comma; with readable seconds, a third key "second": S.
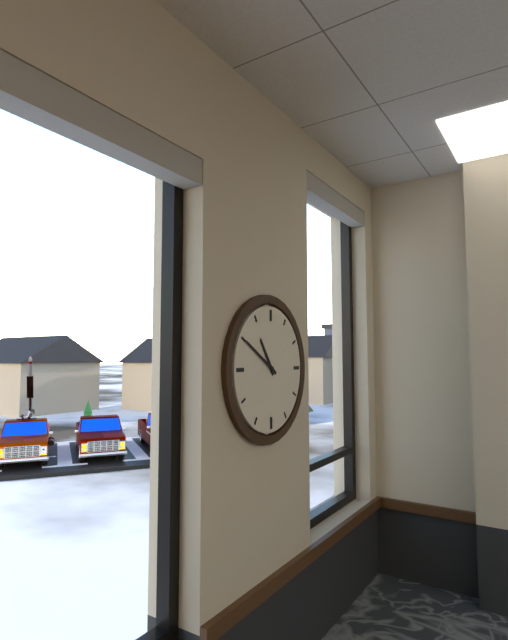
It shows {"hour": 10, "minute": 50}
